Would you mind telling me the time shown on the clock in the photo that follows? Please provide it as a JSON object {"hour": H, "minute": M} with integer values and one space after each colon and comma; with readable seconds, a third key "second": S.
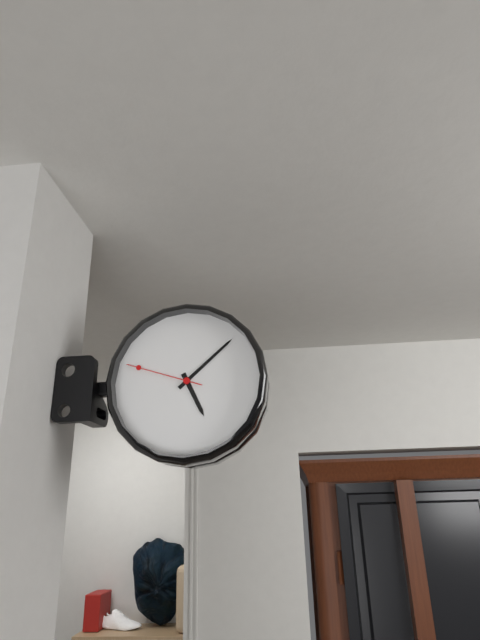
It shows {"hour": 5, "minute": 8, "second": 48}
